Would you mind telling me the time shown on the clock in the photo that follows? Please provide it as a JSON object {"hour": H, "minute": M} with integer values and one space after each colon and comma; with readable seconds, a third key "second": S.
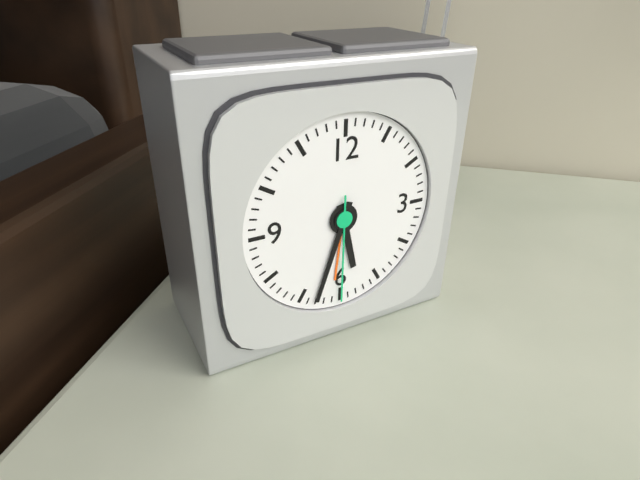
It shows {"hour": 5, "minute": 33, "second": 30}
